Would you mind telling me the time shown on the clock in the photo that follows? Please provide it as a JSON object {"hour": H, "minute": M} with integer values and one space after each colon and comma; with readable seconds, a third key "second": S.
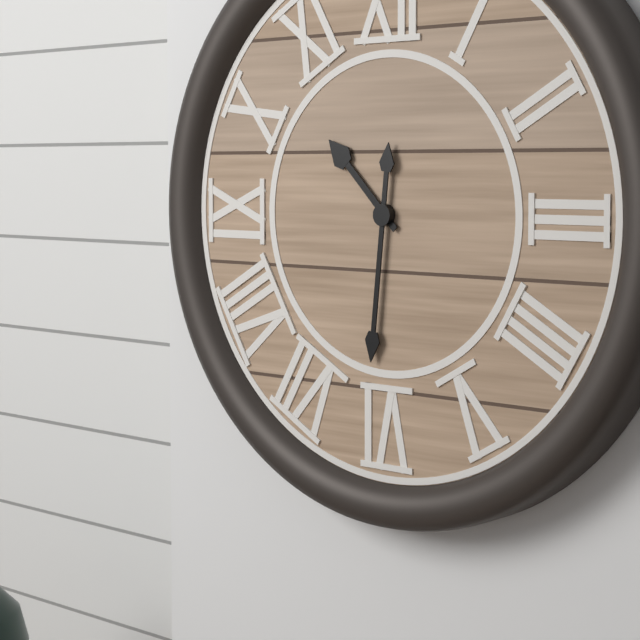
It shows {"hour": 10, "minute": 31}
